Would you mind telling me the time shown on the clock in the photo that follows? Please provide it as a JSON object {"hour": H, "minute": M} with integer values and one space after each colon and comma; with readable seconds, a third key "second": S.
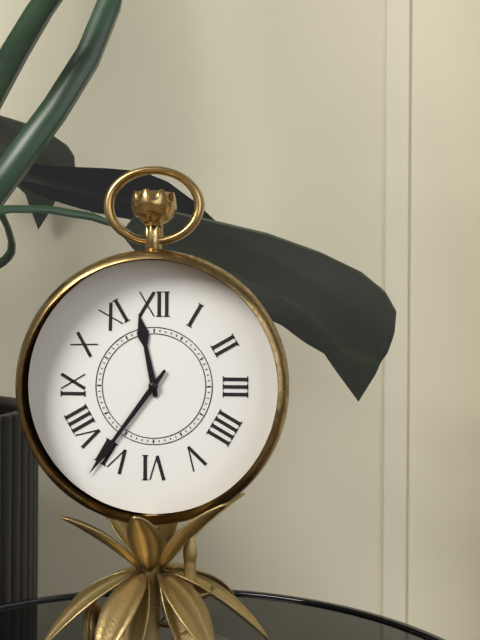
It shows {"hour": 11, "minute": 36}
